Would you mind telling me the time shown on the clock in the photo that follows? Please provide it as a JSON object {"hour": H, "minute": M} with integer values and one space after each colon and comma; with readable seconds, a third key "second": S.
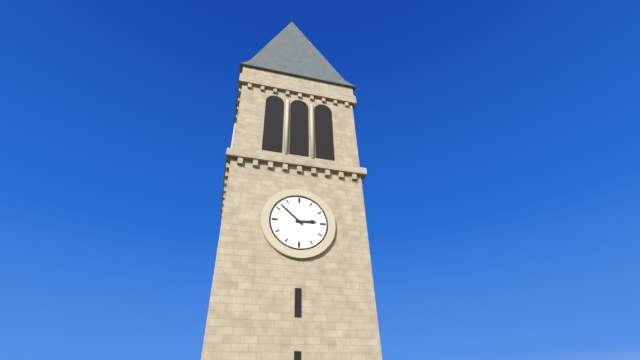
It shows {"hour": 2, "minute": 52}
